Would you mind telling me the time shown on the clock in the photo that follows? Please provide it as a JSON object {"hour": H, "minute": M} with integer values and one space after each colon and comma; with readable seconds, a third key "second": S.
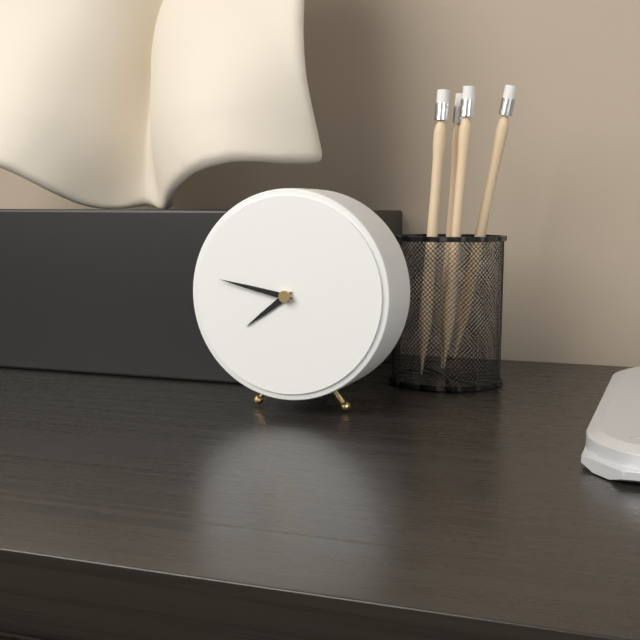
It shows {"hour": 7, "minute": 47}
